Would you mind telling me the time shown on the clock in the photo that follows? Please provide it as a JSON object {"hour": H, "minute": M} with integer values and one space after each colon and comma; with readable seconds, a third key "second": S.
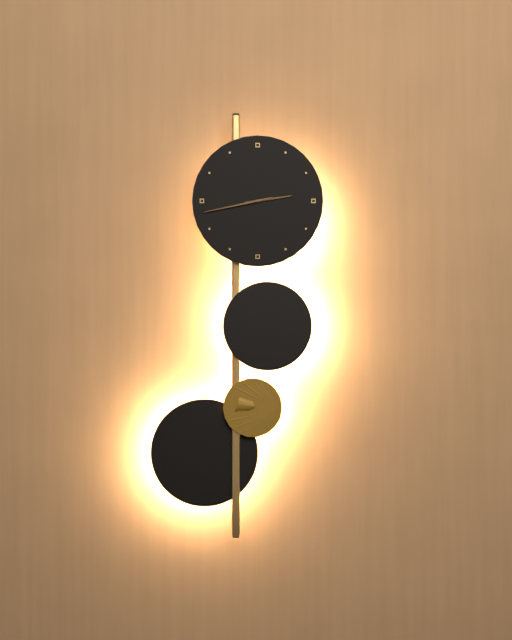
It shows {"hour": 2, "minute": 43}
